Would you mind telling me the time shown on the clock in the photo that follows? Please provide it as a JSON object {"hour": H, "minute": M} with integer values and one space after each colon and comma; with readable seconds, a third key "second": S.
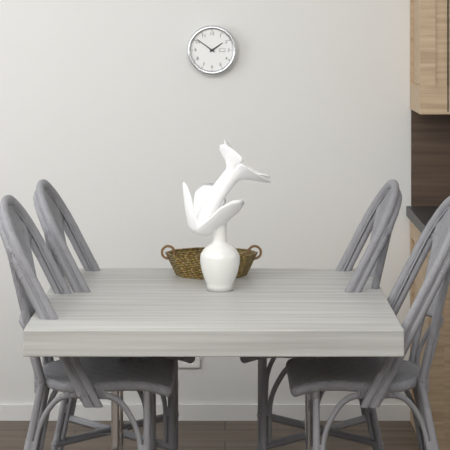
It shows {"hour": 1, "minute": 51}
